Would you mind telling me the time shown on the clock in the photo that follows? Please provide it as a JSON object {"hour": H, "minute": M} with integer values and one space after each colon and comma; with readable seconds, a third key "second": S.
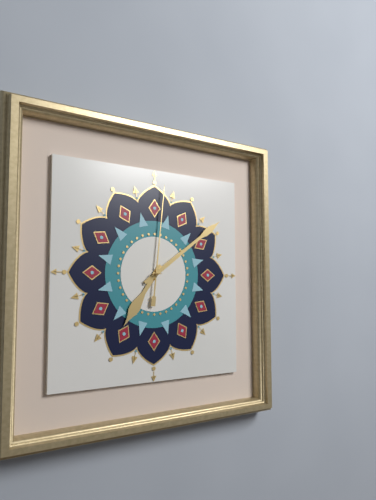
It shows {"hour": 7, "minute": 9, "second": 1}
